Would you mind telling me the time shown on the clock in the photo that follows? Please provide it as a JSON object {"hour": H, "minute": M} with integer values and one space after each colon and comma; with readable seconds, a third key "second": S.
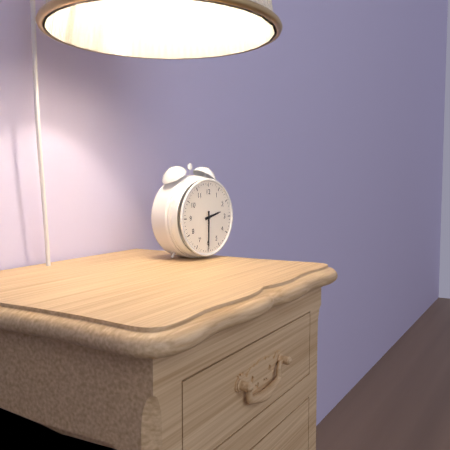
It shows {"hour": 2, "minute": 30}
